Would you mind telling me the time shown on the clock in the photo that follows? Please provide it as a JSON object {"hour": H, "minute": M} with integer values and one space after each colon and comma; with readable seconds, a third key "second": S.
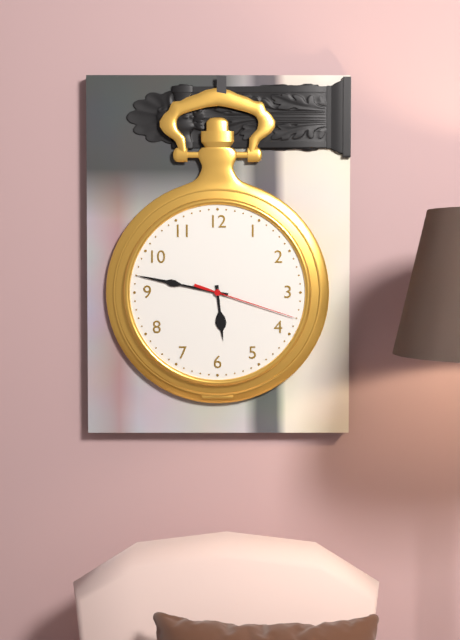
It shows {"hour": 5, "minute": 47, "second": 18}
